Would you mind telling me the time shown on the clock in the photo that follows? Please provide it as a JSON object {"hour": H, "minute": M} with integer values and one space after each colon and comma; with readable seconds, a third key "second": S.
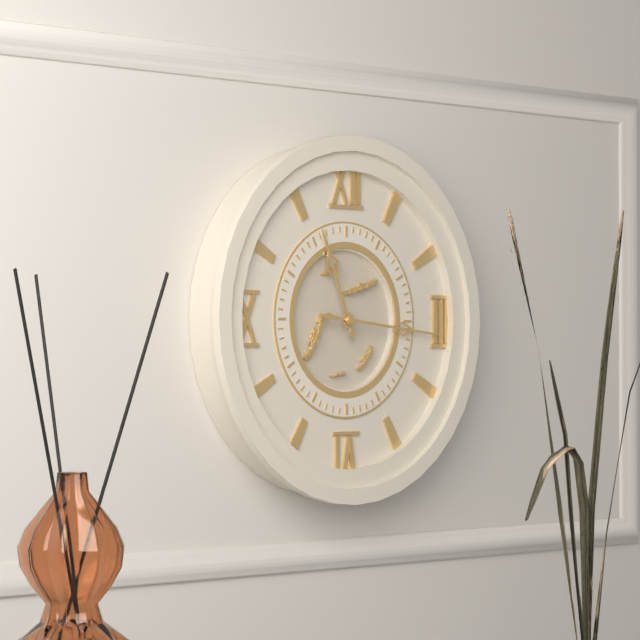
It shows {"hour": 11, "minute": 16}
